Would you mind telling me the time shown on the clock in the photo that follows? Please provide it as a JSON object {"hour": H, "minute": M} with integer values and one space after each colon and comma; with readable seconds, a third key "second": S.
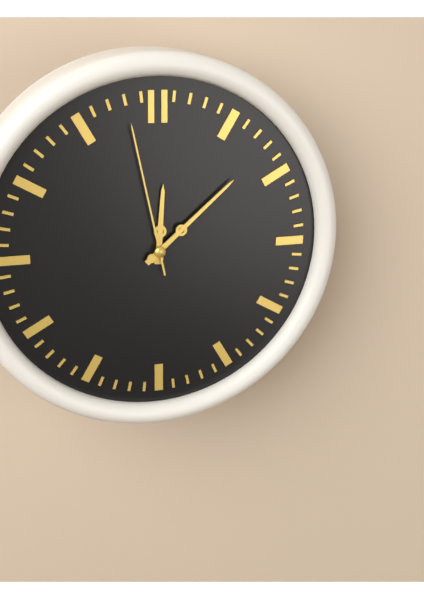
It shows {"hour": 12, "minute": 8, "second": 58}
